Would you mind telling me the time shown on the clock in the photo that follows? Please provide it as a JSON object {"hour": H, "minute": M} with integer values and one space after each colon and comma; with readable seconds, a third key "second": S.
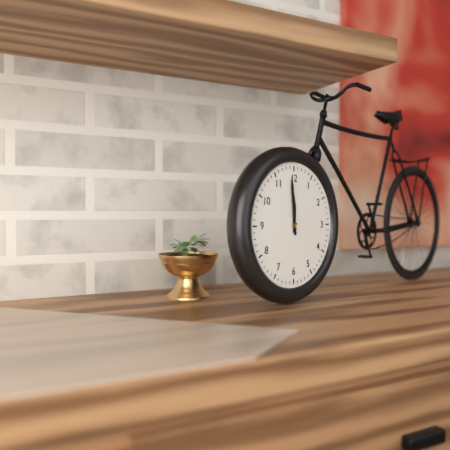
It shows {"hour": 11, "minute": 59}
